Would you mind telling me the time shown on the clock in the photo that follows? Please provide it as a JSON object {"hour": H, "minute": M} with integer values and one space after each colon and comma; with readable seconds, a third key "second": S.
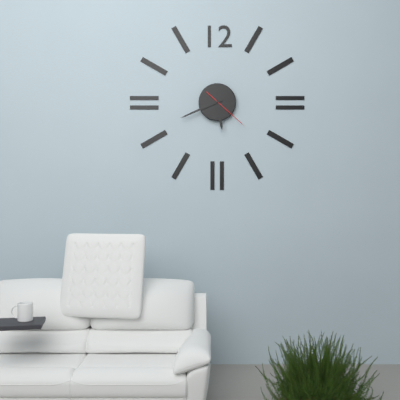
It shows {"hour": 5, "minute": 41}
